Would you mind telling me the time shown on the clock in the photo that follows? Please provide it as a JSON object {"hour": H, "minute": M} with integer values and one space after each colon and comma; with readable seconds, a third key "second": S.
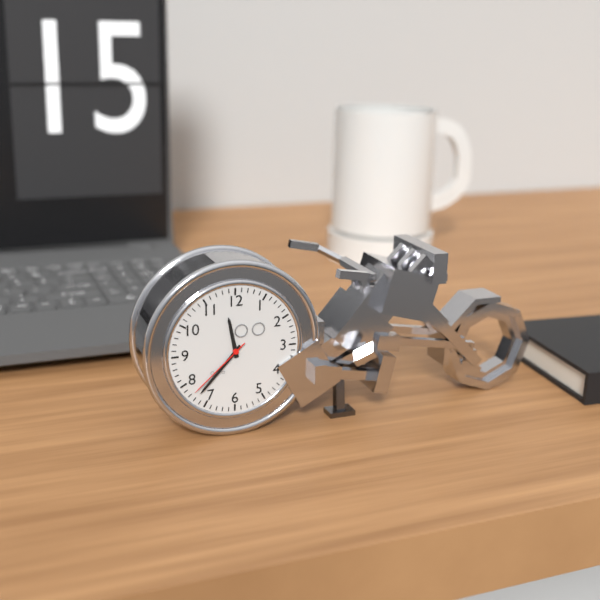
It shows {"hour": 11, "minute": 37, "second": 38}
